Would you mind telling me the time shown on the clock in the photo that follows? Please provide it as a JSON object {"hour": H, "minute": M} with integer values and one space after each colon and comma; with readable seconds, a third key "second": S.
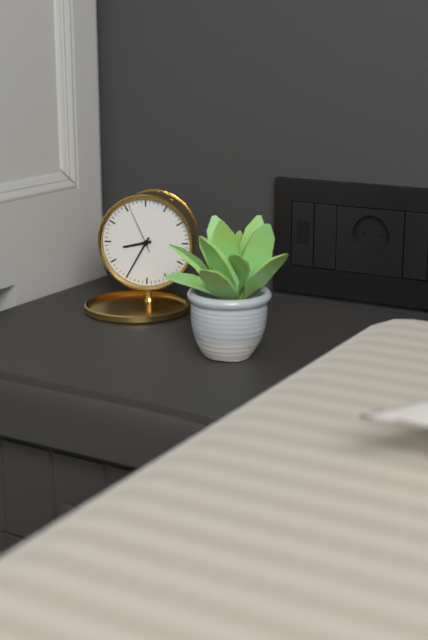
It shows {"hour": 8, "minute": 35, "second": 56}
